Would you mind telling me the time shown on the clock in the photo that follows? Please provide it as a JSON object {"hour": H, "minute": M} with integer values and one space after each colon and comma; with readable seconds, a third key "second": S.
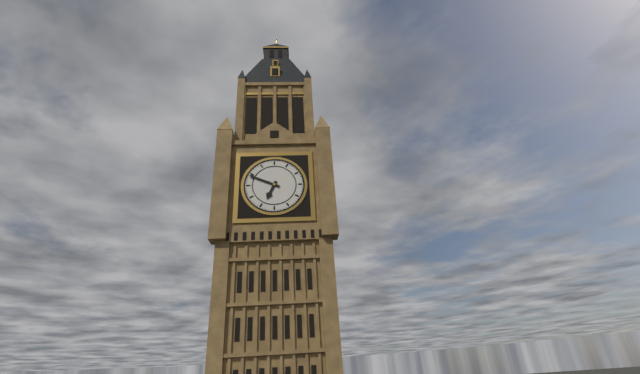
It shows {"hour": 6, "minute": 49}
